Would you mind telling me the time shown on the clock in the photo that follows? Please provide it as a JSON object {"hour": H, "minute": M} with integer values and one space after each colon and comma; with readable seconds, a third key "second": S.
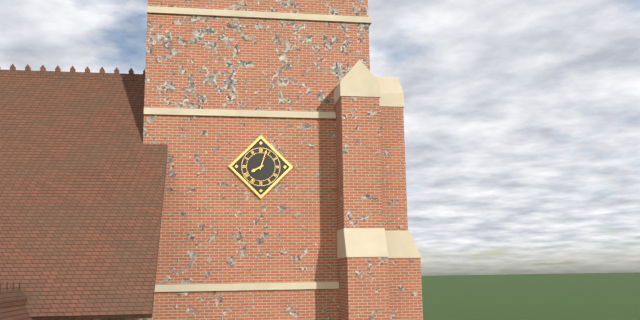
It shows {"hour": 8, "minute": 3}
